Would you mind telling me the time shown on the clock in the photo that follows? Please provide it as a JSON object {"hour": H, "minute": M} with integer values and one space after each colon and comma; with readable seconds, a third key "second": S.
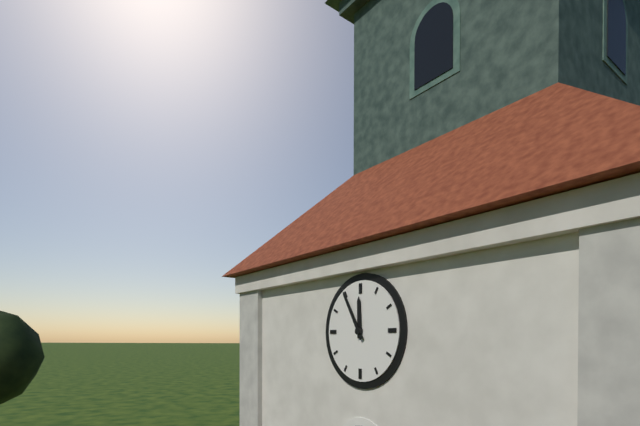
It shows {"hour": 11, "minute": 55}
